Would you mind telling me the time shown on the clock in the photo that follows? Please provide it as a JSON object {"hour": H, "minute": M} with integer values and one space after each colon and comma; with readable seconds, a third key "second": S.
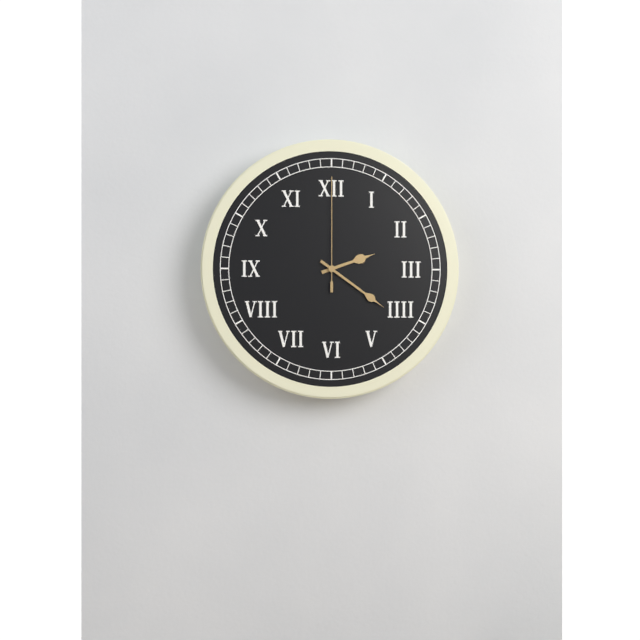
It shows {"hour": 2, "minute": 21, "second": 0}
